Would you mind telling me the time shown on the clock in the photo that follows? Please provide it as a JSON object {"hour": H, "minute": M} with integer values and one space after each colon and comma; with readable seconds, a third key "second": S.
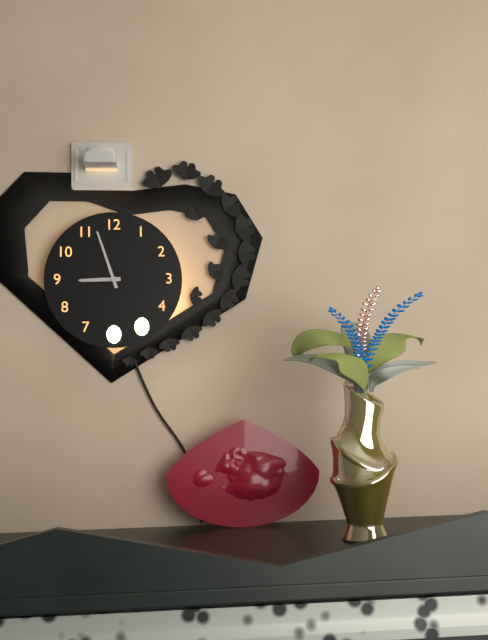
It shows {"hour": 8, "minute": 57}
